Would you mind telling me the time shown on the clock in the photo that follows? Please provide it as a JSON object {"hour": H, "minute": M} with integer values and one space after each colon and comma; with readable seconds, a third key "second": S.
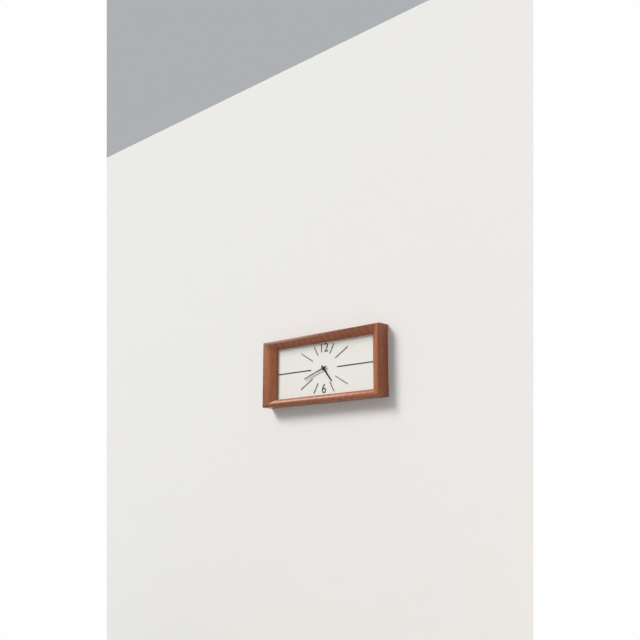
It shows {"hour": 4, "minute": 42}
